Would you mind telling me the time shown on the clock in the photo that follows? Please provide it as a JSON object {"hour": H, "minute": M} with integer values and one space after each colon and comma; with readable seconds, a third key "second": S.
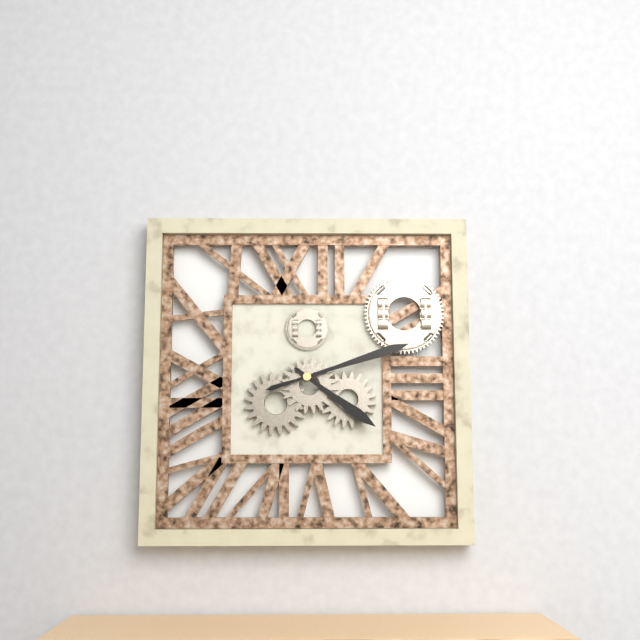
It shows {"hour": 4, "minute": 12}
